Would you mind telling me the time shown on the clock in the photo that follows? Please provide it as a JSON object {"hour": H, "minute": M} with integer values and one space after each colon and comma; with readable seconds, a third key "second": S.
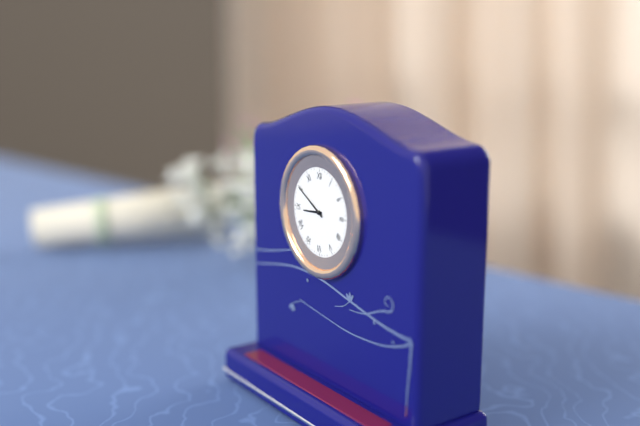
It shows {"hour": 8, "minute": 50}
